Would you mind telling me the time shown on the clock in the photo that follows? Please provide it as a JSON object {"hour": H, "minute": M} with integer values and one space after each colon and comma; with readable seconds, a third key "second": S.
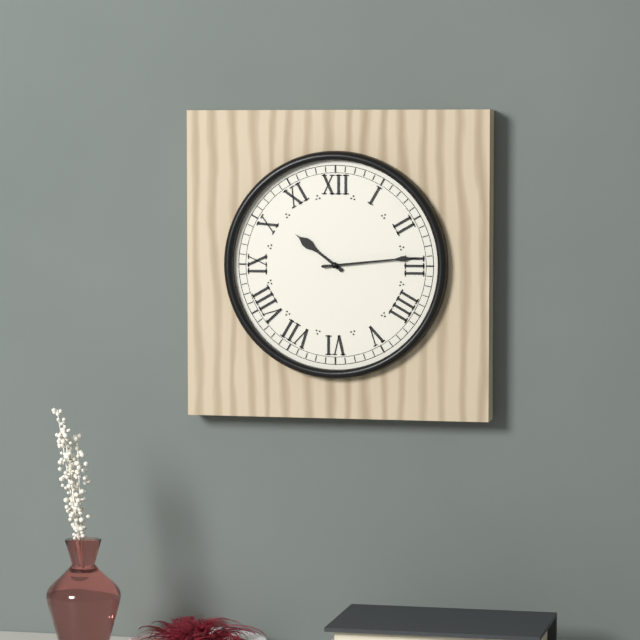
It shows {"hour": 10, "minute": 14}
